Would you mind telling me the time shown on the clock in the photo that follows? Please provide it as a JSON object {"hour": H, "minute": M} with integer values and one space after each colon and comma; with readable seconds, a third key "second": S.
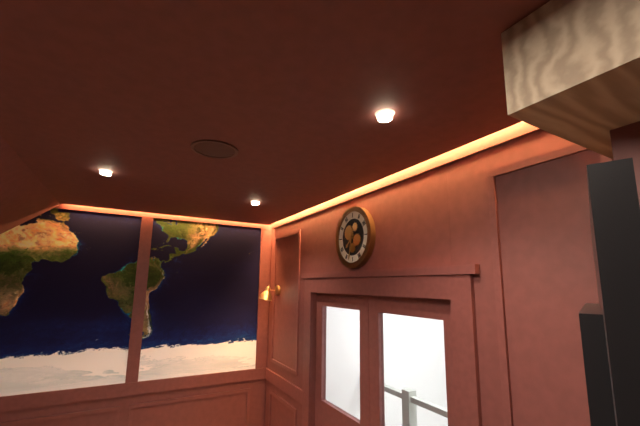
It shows {"hour": 7, "minute": 32}
